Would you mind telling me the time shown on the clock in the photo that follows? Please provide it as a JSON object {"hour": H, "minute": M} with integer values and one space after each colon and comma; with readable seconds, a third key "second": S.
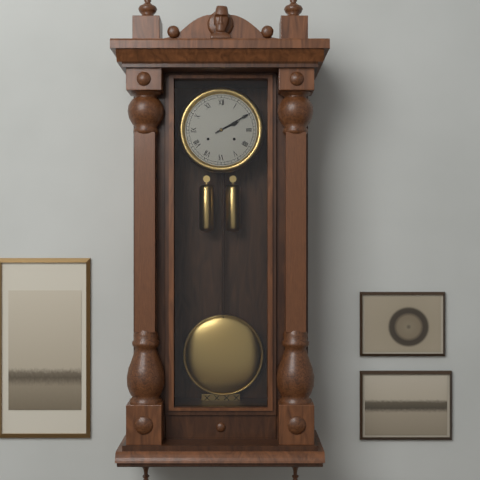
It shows {"hour": 2, "minute": 10}
